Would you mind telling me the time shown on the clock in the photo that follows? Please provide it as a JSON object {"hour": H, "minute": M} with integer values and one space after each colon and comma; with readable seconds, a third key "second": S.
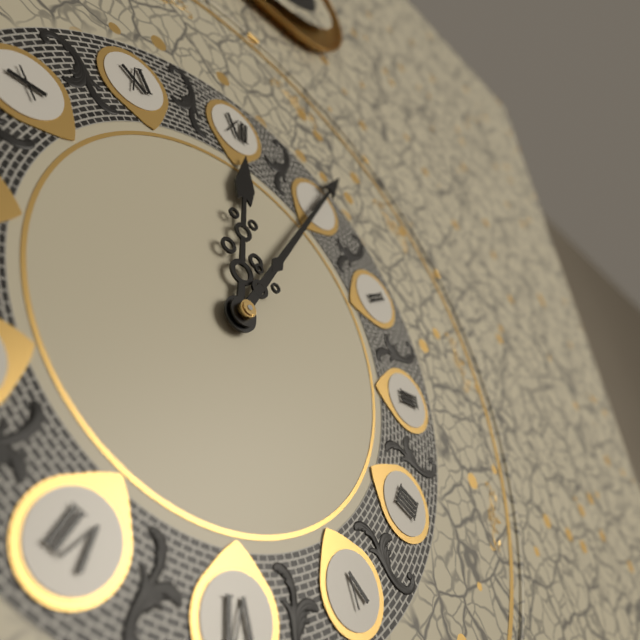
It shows {"hour": 12, "minute": 5}
